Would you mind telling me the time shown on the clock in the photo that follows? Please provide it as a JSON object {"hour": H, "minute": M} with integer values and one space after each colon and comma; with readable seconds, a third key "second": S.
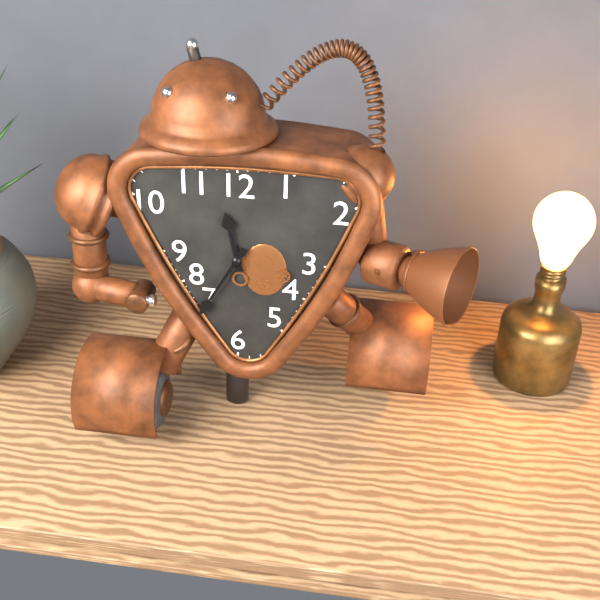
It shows {"hour": 11, "minute": 35}
